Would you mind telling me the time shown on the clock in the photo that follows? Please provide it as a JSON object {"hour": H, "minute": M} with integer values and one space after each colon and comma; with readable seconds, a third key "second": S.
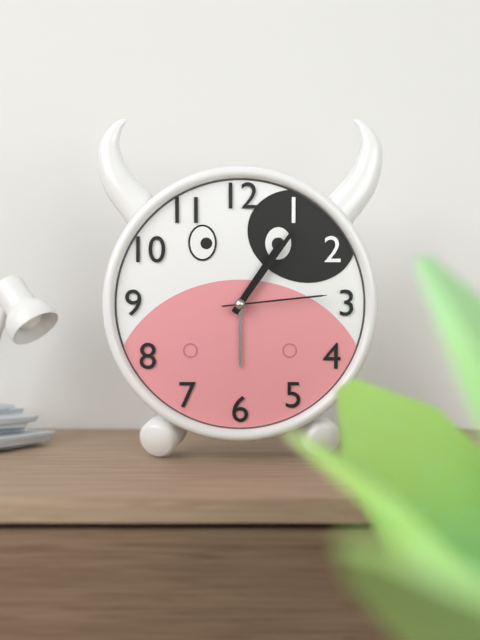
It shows {"hour": 1, "minute": 6, "second": 14}
